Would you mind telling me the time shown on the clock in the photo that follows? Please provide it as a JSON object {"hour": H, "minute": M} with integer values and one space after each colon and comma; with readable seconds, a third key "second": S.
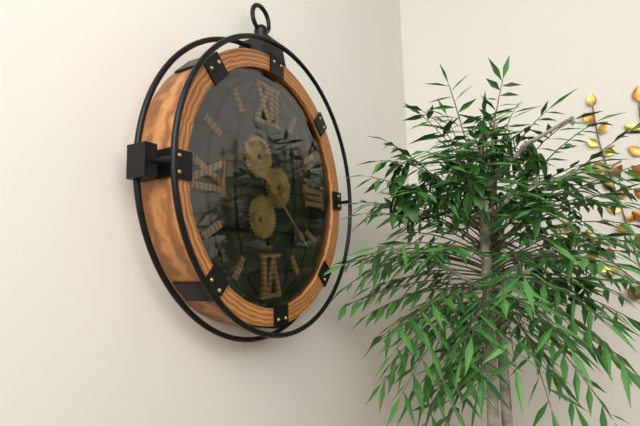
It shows {"hour": 10, "minute": 22}
